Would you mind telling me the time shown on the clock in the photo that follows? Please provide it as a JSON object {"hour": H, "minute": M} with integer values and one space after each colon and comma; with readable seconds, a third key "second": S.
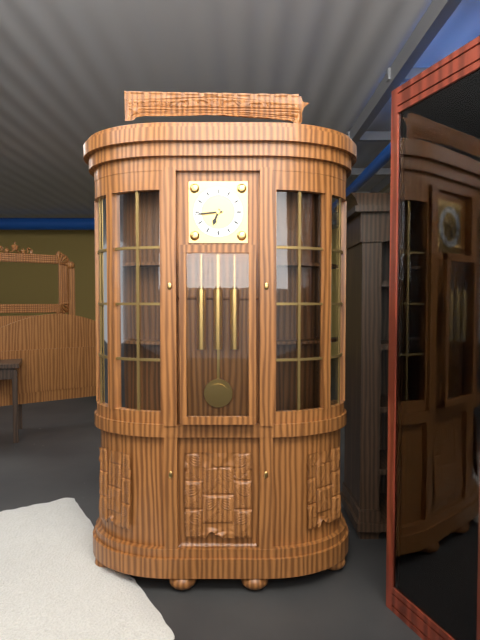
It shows {"hour": 6, "minute": 44}
